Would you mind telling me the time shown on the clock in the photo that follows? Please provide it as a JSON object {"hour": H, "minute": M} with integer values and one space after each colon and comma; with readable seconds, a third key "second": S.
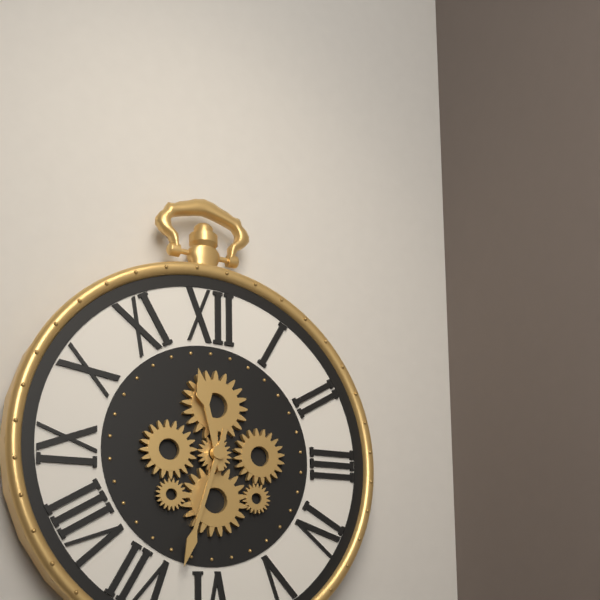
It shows {"hour": 11, "minute": 33}
